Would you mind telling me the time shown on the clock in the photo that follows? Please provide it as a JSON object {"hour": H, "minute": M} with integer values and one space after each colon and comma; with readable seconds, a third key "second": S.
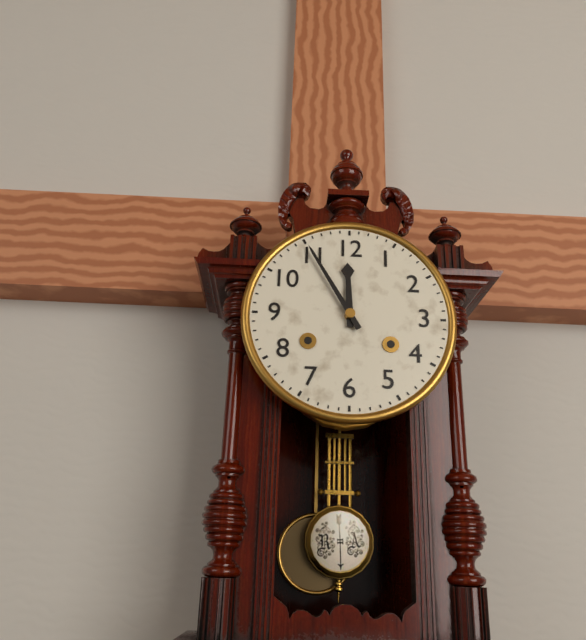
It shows {"hour": 11, "minute": 55}
